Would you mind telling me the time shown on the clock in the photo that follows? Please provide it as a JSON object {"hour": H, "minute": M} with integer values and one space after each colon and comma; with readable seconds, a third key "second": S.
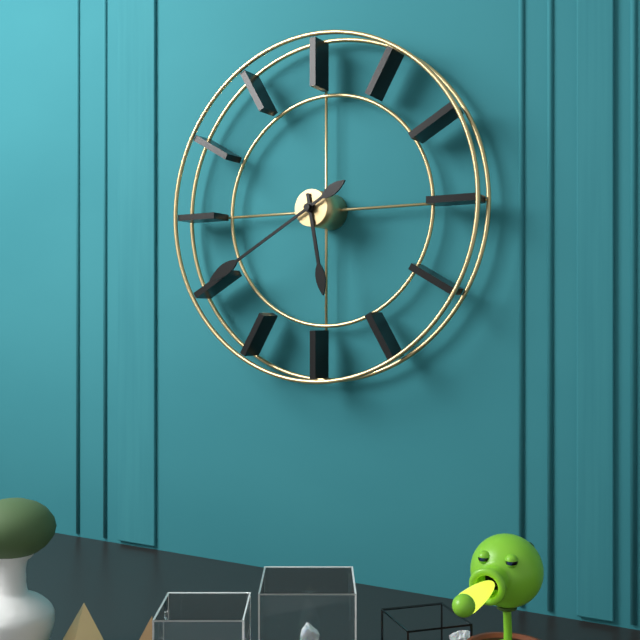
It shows {"hour": 5, "minute": 40}
